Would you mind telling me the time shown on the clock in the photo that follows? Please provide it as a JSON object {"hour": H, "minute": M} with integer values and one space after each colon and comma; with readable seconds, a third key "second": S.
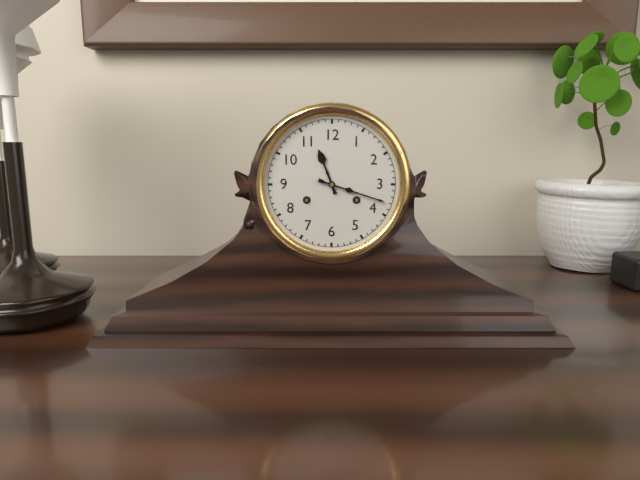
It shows {"hour": 11, "minute": 18}
